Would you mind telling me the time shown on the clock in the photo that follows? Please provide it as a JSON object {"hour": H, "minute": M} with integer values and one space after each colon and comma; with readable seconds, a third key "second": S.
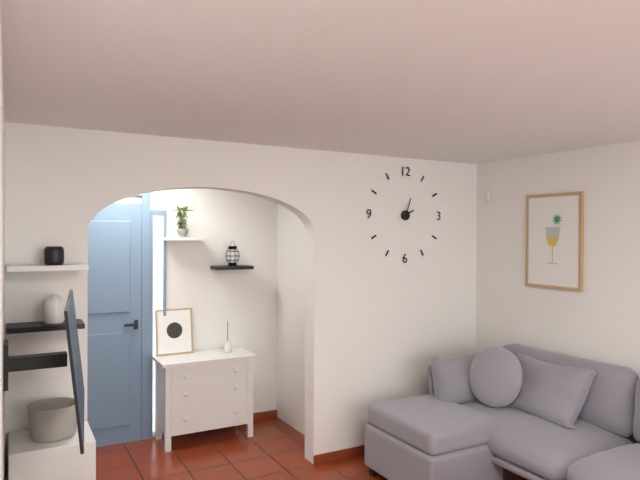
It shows {"hour": 2, "minute": 3}
